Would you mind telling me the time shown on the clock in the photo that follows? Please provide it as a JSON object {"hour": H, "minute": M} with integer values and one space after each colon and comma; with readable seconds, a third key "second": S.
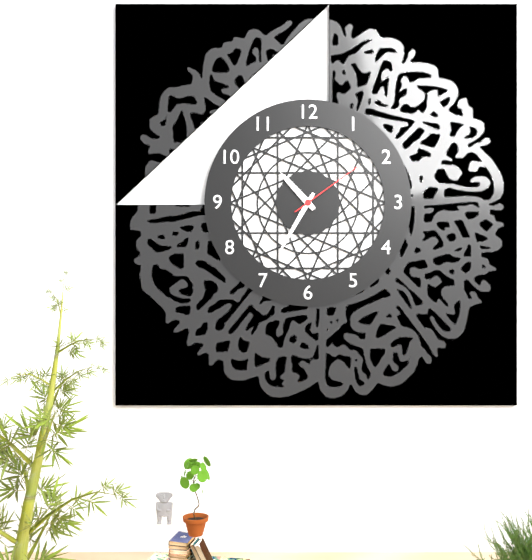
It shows {"hour": 10, "minute": 35, "second": 9}
